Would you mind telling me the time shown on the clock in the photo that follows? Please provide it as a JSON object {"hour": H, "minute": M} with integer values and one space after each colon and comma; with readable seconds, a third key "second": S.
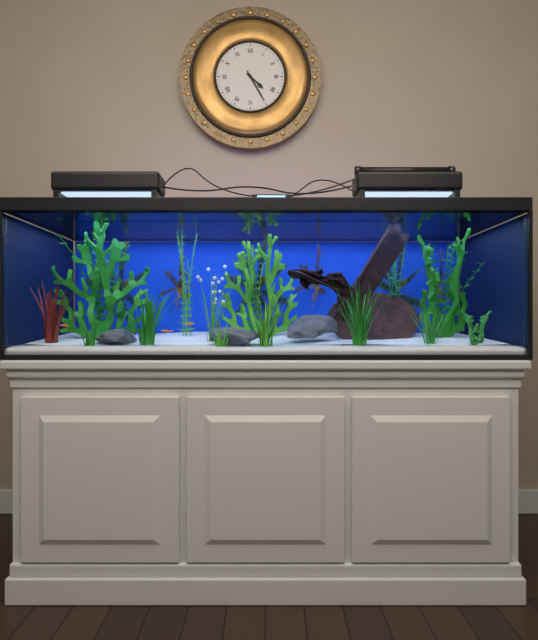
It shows {"hour": 4, "minute": 25}
